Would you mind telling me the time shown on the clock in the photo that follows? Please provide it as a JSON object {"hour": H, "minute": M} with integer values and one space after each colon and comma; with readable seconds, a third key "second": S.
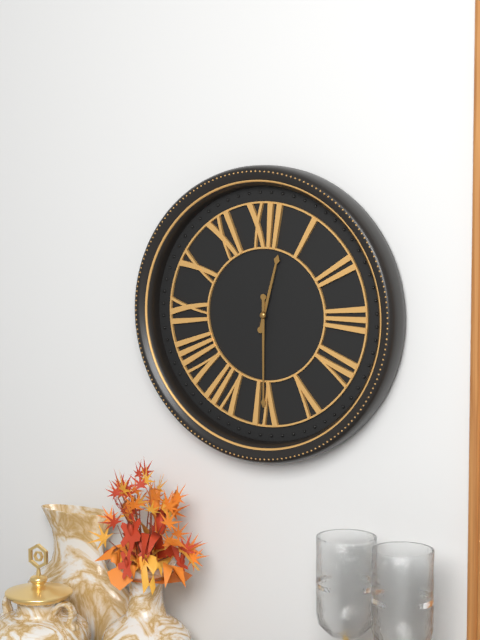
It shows {"hour": 12, "minute": 30}
